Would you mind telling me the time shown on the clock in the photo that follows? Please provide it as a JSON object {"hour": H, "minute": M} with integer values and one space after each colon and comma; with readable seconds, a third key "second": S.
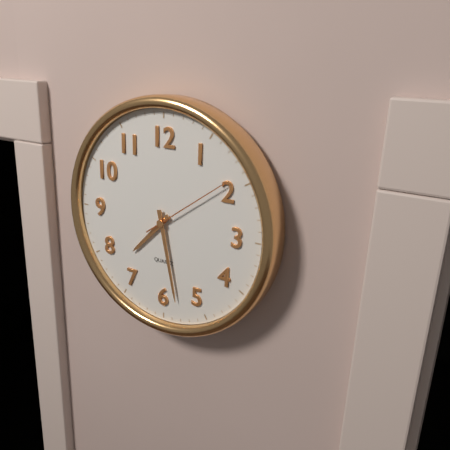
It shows {"hour": 7, "minute": 28, "second": 9}
